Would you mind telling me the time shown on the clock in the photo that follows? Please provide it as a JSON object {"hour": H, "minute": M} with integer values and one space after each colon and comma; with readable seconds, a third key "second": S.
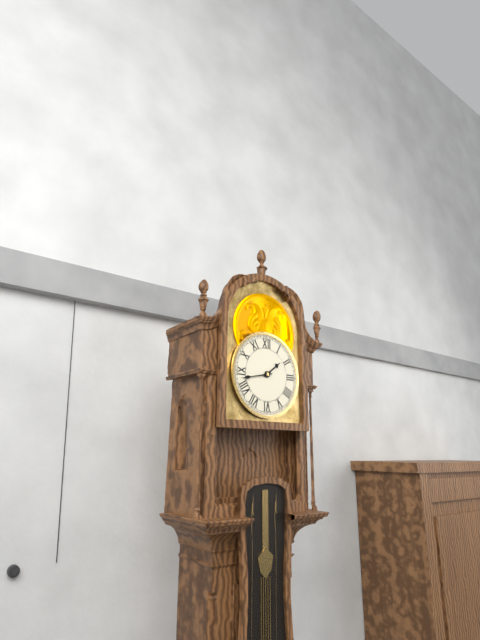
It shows {"hour": 1, "minute": 43}
